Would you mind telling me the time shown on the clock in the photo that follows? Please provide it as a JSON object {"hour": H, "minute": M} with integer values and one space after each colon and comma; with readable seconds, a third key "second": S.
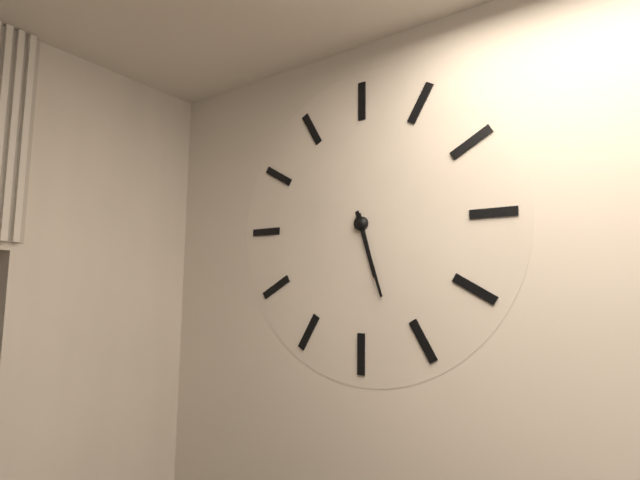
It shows {"hour": 5, "minute": 27}
